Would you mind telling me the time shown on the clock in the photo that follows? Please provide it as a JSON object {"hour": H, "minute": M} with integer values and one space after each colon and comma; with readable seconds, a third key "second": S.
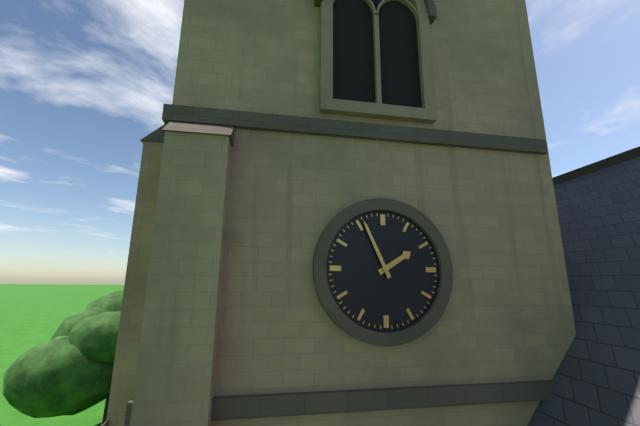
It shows {"hour": 1, "minute": 56}
